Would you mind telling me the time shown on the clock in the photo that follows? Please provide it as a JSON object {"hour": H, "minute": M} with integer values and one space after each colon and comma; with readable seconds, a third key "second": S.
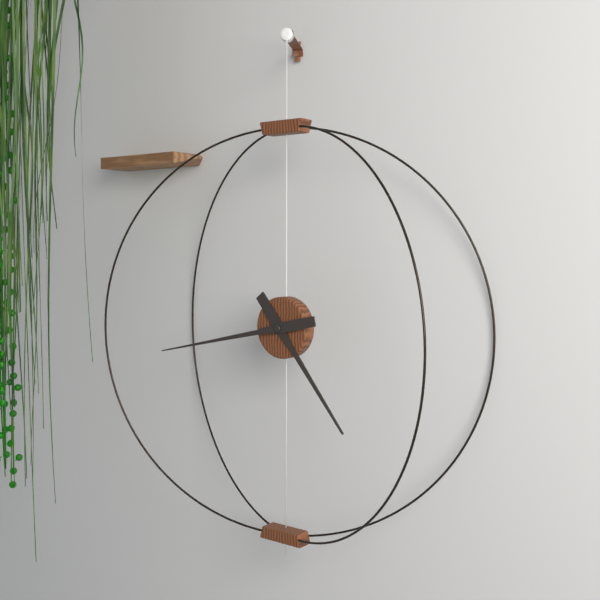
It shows {"hour": 4, "minute": 43}
